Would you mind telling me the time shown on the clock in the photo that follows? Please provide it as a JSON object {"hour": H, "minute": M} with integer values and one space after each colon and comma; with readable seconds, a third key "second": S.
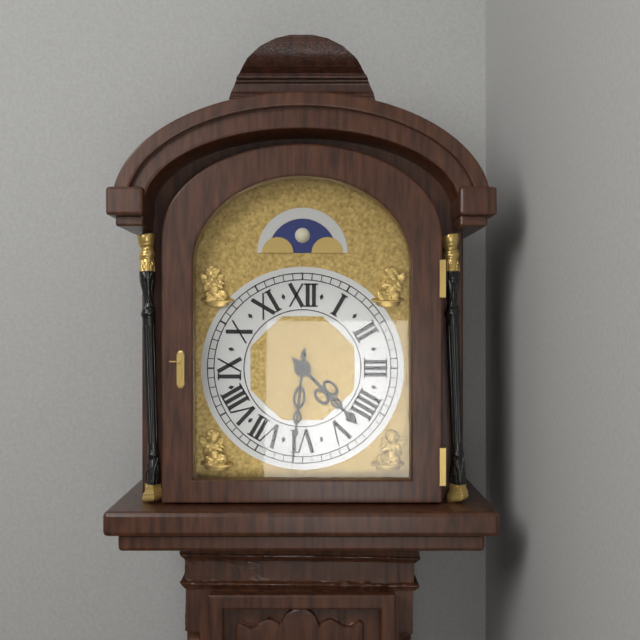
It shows {"hour": 4, "minute": 31}
